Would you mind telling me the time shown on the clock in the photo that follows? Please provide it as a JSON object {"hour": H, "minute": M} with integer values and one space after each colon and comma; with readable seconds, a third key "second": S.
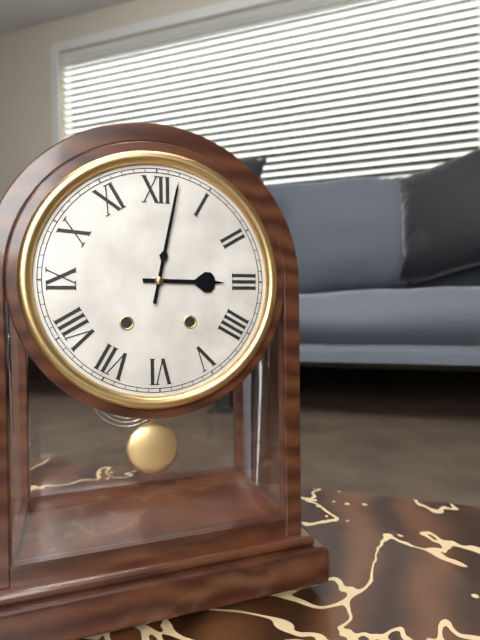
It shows {"hour": 3, "minute": 2}
